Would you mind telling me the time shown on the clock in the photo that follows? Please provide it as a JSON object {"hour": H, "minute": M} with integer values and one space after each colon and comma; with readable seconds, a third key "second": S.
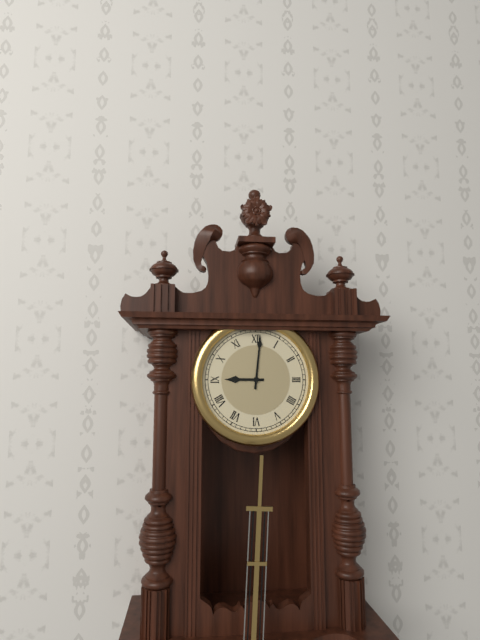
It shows {"hour": 9, "minute": 1}
